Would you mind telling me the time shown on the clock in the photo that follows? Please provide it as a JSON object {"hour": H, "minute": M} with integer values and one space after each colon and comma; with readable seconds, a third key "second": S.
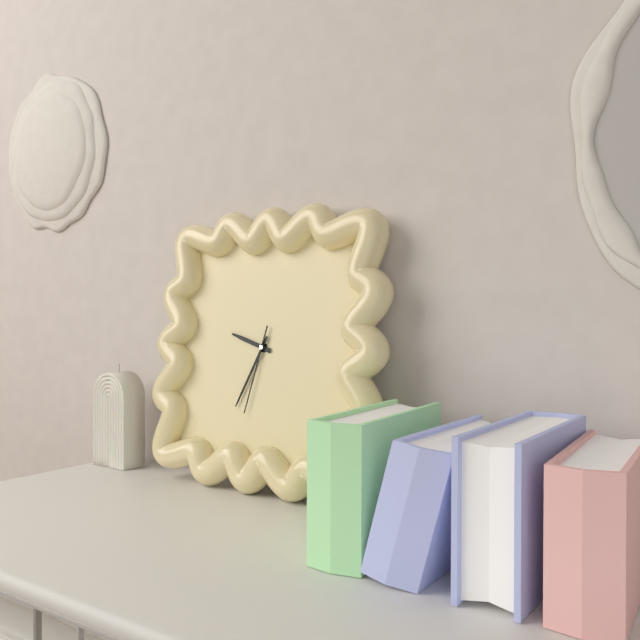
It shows {"hour": 9, "minute": 34, "second": 32}
